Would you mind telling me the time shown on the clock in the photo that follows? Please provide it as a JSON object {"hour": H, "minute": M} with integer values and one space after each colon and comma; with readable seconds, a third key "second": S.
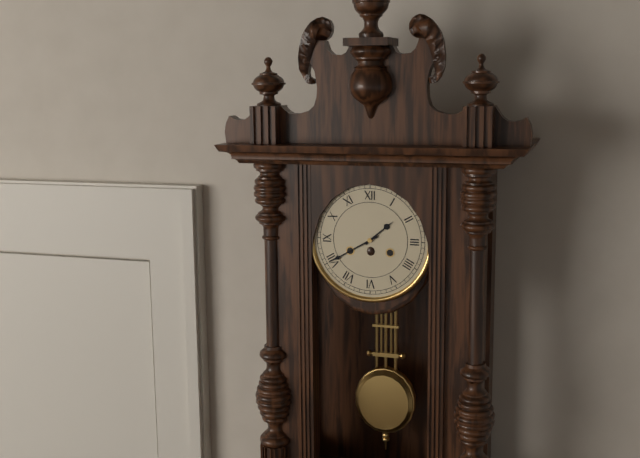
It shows {"hour": 1, "minute": 40}
